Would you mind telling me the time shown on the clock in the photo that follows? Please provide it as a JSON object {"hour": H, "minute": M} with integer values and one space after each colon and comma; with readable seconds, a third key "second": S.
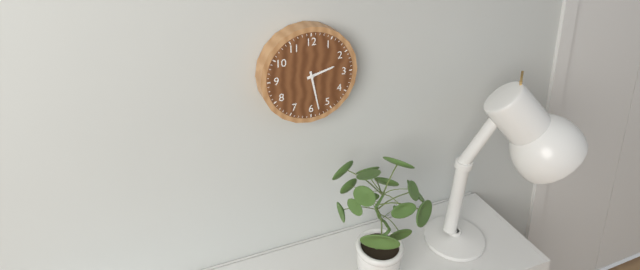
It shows {"hour": 2, "minute": 28}
